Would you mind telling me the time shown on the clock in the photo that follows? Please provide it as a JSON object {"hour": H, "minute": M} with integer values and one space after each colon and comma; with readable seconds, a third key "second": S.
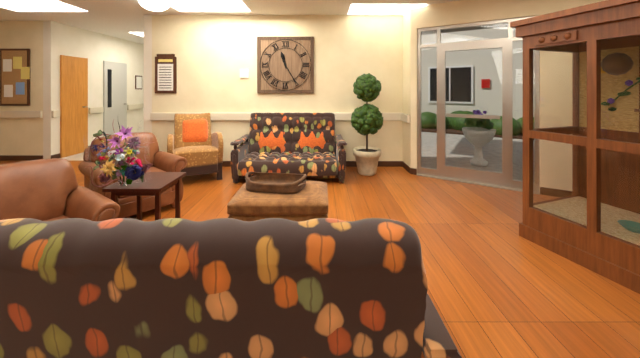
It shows {"hour": 11, "minute": 25}
